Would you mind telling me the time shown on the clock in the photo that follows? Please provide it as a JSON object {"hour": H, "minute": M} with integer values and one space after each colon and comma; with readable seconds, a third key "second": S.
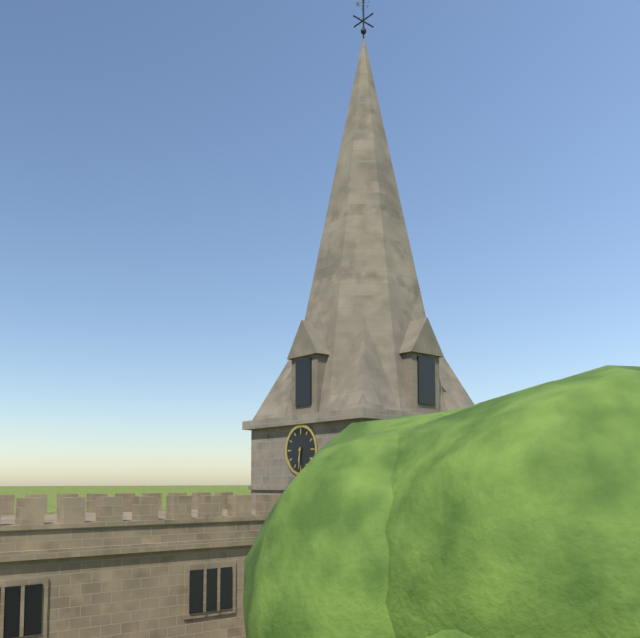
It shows {"hour": 6, "minute": 31}
